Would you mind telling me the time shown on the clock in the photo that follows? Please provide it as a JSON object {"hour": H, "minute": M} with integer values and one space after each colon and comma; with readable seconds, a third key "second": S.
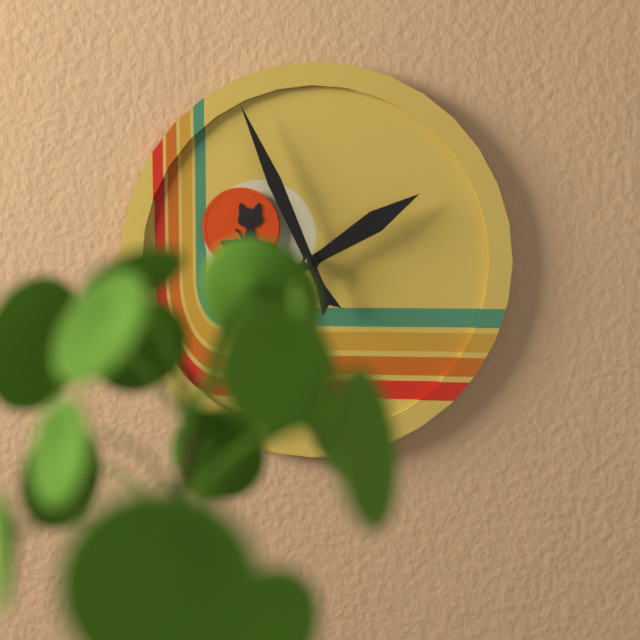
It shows {"hour": 1, "minute": 56}
